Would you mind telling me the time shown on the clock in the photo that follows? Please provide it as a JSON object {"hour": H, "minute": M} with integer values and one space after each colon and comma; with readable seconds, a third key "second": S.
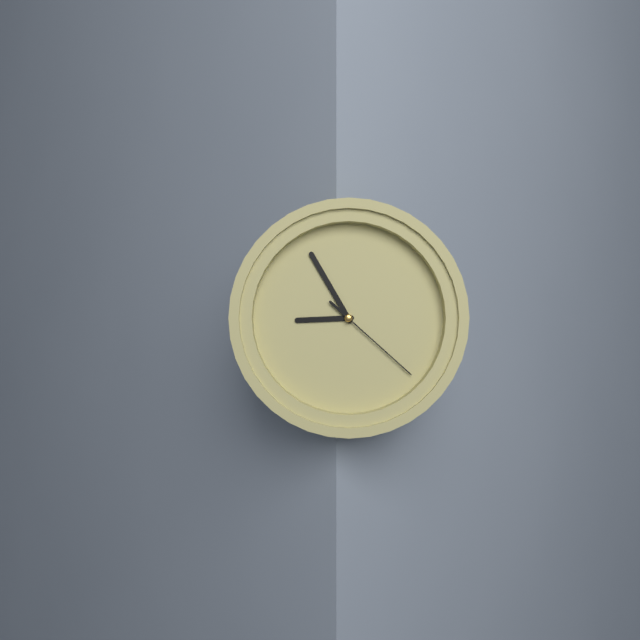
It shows {"hour": 8, "minute": 55, "second": 22}
